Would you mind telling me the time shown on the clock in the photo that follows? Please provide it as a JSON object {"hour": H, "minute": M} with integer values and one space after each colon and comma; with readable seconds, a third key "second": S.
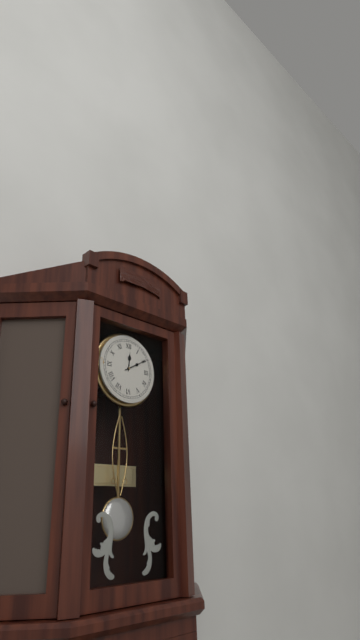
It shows {"hour": 12, "minute": 10}
